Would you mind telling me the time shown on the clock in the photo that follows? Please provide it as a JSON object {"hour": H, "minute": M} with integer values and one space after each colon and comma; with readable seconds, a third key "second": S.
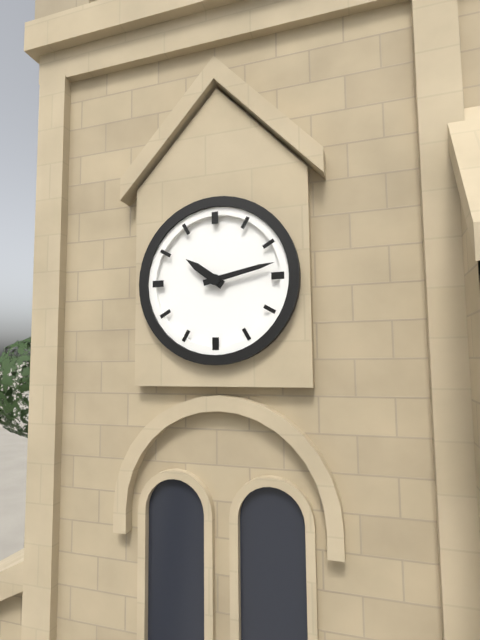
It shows {"hour": 10, "minute": 13}
